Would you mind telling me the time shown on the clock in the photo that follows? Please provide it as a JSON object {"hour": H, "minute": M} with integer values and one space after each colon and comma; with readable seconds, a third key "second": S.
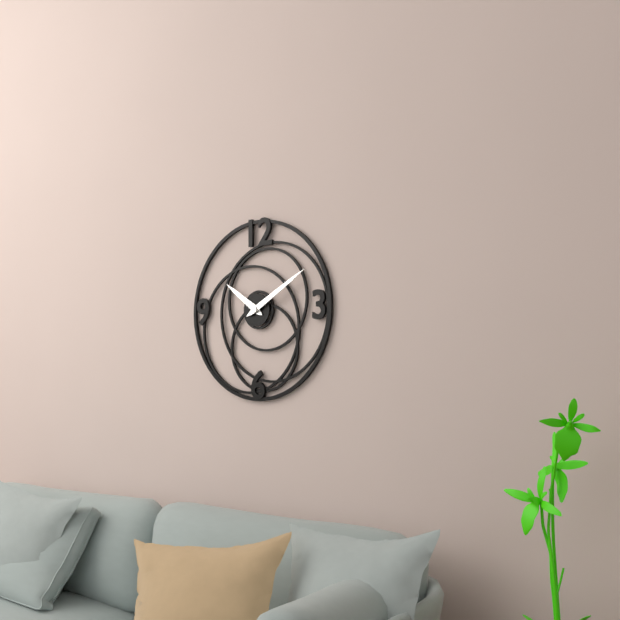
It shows {"hour": 10, "minute": 10}
